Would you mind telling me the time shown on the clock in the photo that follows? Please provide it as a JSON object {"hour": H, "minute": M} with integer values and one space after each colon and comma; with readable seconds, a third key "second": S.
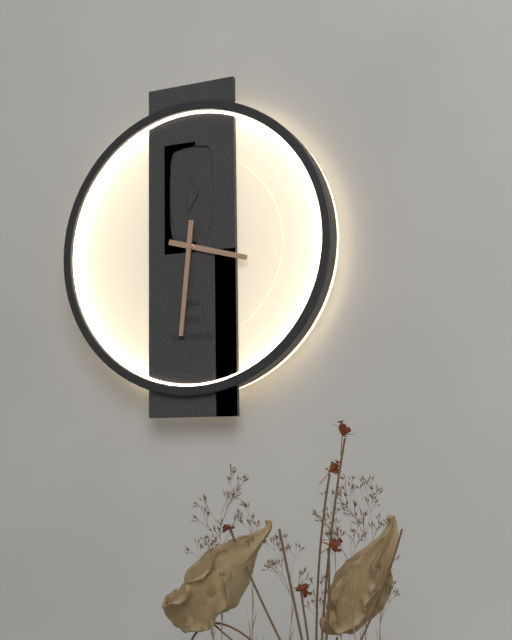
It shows {"hour": 3, "minute": 31}
